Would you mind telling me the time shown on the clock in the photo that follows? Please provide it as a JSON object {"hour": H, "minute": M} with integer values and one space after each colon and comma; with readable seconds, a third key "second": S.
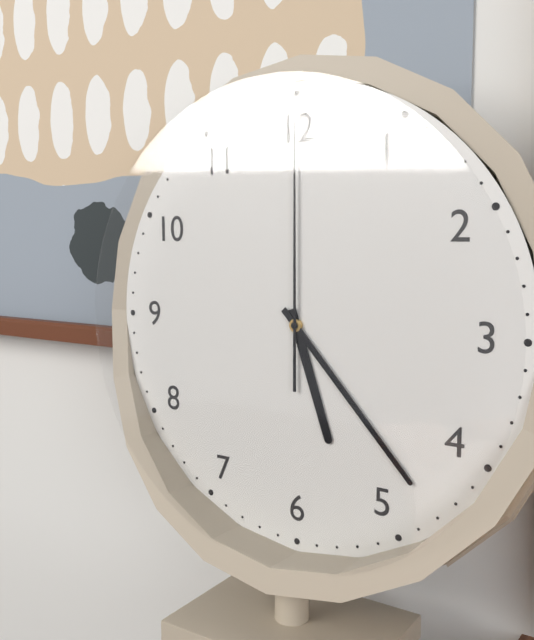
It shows {"hour": 5, "minute": 23, "second": 0}
